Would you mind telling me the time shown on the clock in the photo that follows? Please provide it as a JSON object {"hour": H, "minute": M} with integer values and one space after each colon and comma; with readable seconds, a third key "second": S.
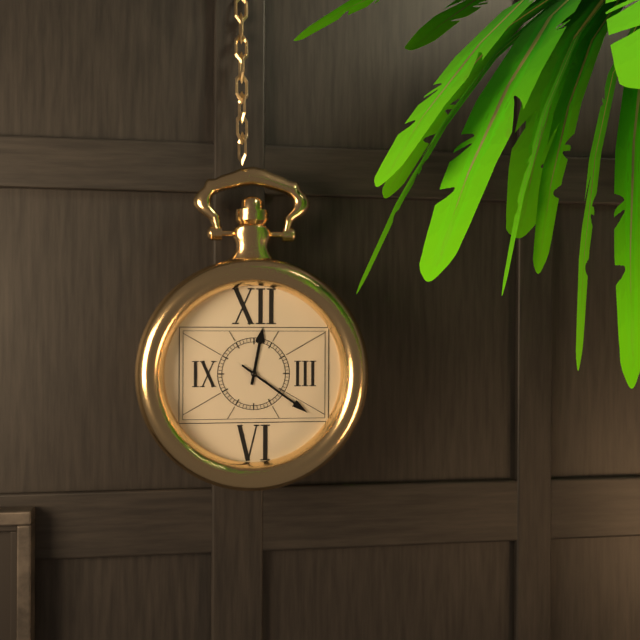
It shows {"hour": 12, "minute": 21}
